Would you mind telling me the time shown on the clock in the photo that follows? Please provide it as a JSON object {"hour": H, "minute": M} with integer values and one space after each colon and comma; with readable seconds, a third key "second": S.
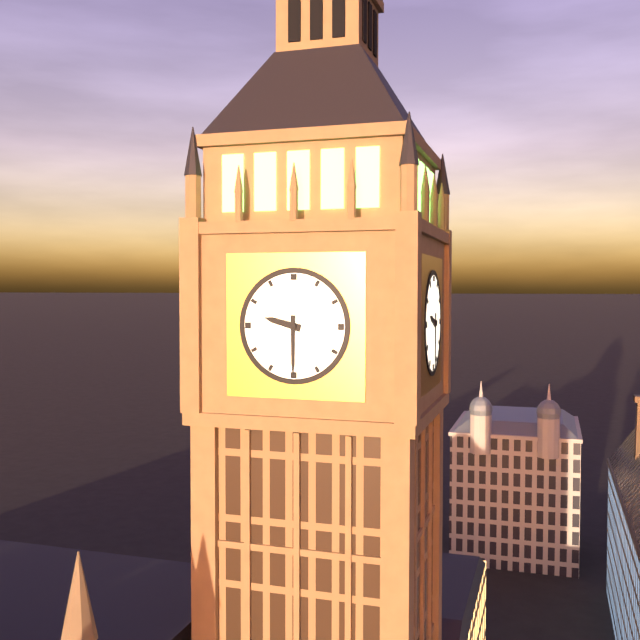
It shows {"hour": 9, "minute": 30}
